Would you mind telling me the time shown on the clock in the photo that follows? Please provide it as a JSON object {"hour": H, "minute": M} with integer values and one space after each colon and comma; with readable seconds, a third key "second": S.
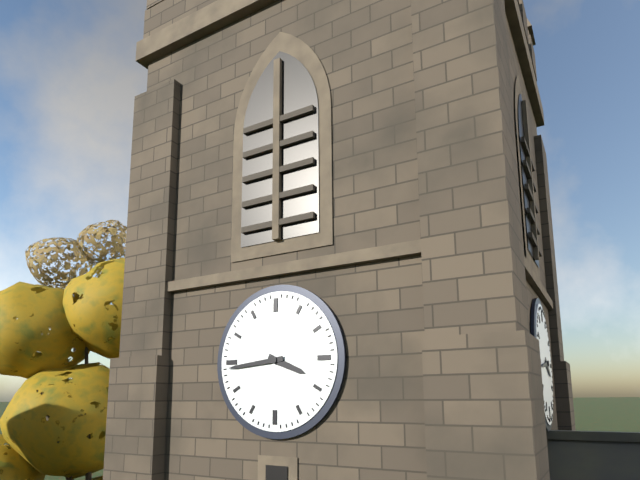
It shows {"hour": 3, "minute": 44}
